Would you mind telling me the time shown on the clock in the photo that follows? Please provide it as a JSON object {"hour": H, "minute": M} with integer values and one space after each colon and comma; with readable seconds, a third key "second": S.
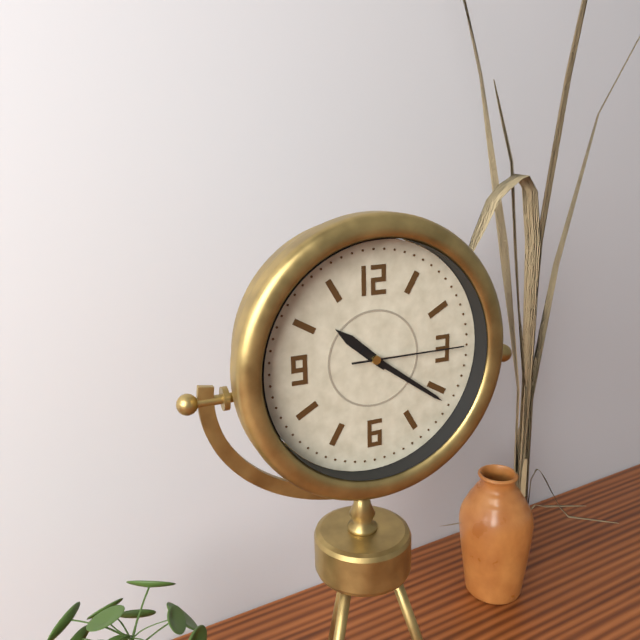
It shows {"hour": 10, "minute": 21, "second": 15}
